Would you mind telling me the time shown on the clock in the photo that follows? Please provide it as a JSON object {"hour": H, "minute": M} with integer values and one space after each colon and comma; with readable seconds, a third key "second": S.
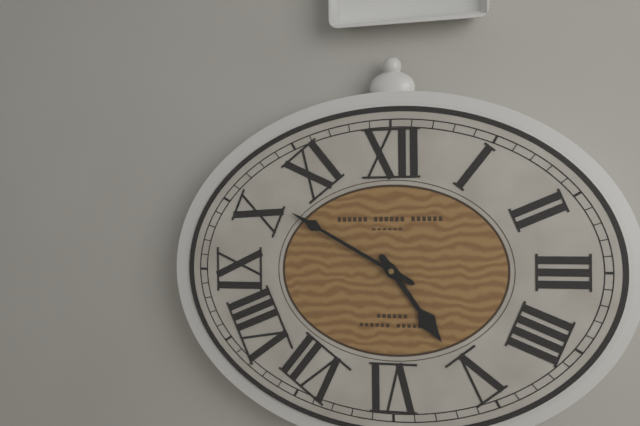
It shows {"hour": 4, "minute": 50}
